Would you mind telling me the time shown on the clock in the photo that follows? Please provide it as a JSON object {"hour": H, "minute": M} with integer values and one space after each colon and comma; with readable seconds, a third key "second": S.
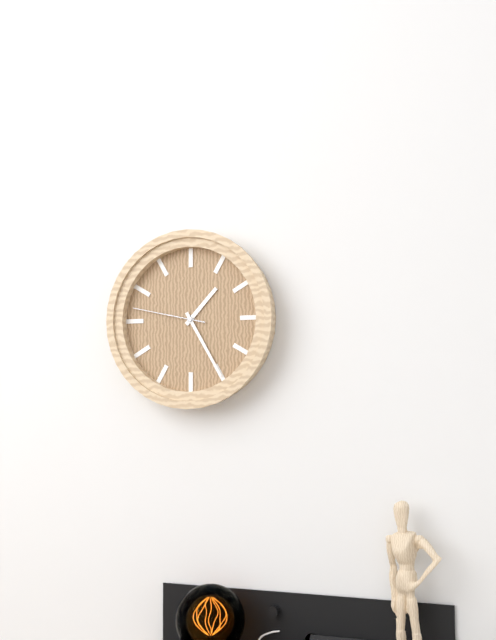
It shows {"hour": 1, "minute": 25, "second": 47}
